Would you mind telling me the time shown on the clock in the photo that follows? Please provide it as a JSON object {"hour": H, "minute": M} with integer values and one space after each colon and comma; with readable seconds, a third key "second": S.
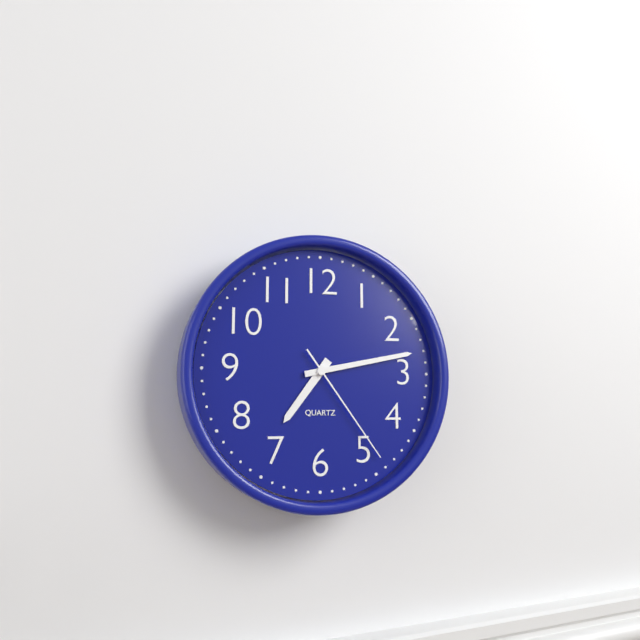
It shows {"hour": 7, "minute": 13, "second": 24}
